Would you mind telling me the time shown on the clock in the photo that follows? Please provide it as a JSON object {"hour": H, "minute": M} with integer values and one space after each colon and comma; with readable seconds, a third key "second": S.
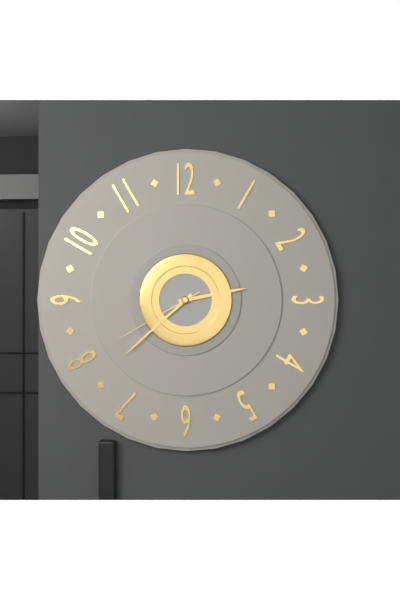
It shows {"hour": 2, "minute": 38, "second": 40}
